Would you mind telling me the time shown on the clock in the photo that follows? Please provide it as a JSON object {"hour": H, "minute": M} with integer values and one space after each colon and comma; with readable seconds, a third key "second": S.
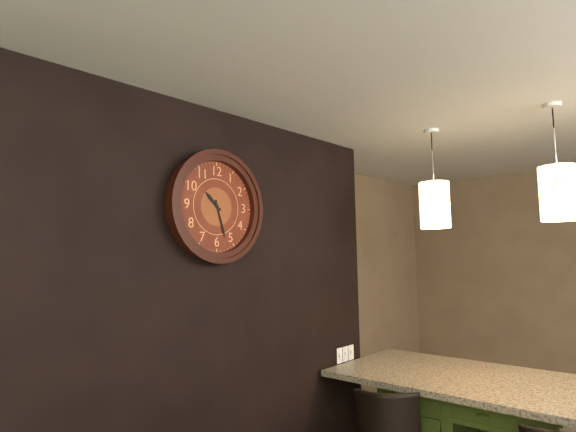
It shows {"hour": 10, "minute": 27}
